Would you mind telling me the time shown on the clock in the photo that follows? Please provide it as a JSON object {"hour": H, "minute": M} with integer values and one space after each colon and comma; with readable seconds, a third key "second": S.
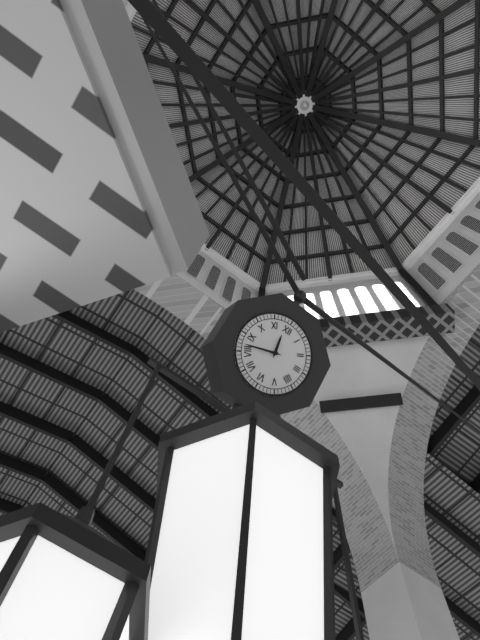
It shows {"hour": 11, "minute": 42}
